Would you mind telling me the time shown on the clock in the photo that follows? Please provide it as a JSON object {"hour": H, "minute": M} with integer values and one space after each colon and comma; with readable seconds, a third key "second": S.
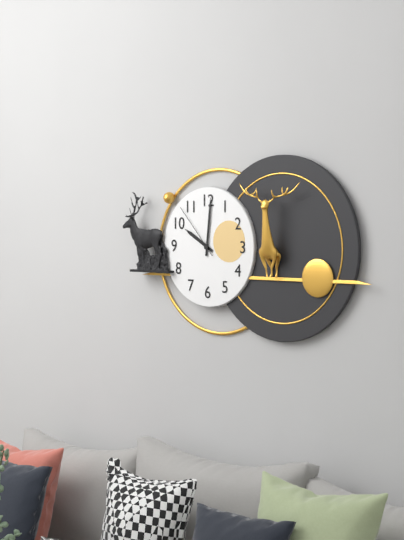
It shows {"hour": 10, "minute": 1, "second": 53}
